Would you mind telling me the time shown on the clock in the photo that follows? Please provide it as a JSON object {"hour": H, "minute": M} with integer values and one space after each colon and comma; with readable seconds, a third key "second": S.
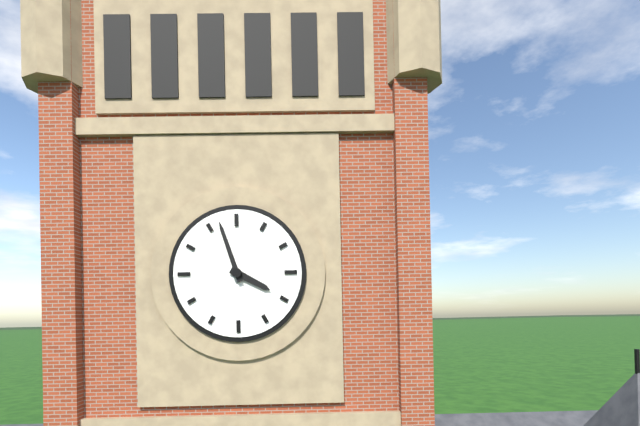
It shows {"hour": 3, "minute": 57}
